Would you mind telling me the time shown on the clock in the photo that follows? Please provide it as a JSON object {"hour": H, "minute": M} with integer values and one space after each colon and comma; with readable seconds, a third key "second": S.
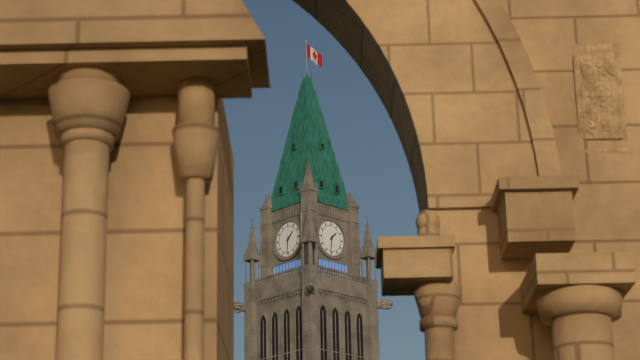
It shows {"hour": 1, "minute": 31}
